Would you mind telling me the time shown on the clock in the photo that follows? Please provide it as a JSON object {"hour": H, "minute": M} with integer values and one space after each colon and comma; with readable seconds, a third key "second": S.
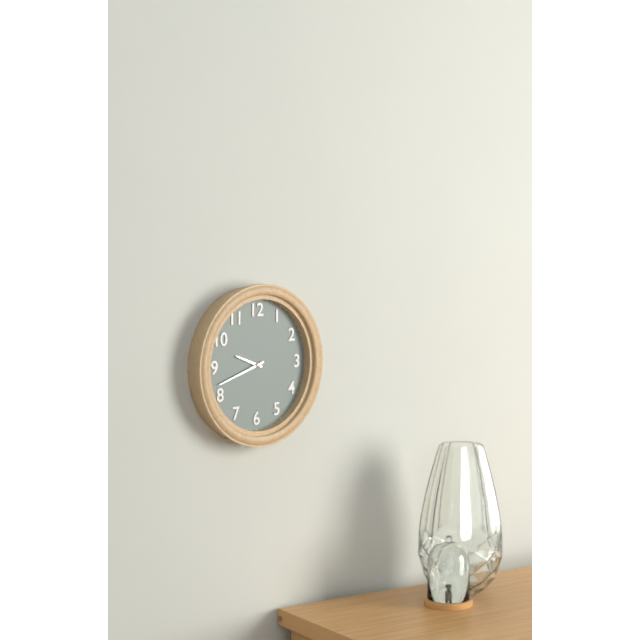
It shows {"hour": 9, "minute": 42}
